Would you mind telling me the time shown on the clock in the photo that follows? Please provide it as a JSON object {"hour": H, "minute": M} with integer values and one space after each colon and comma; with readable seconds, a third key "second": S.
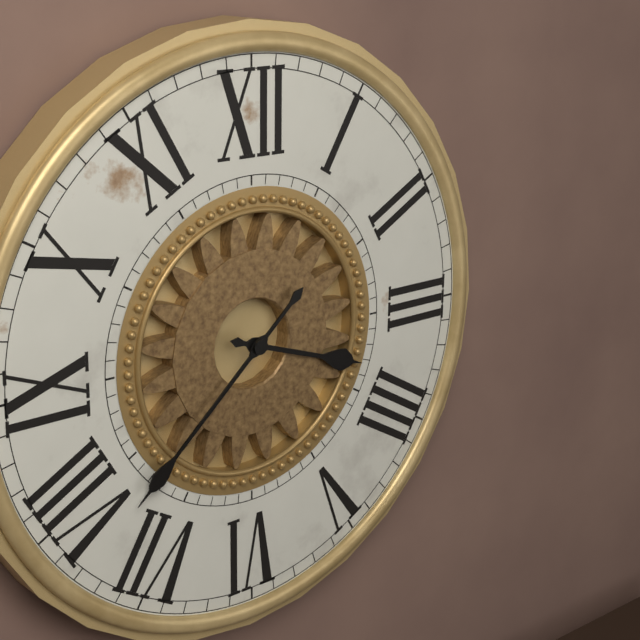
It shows {"hour": 3, "minute": 38}
